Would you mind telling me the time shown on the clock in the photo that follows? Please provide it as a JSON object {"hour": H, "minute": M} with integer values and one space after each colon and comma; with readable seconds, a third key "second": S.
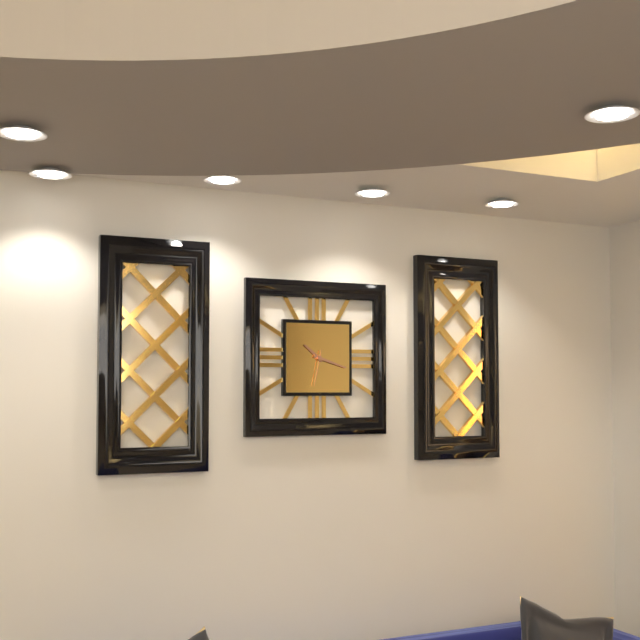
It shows {"hour": 10, "minute": 18}
